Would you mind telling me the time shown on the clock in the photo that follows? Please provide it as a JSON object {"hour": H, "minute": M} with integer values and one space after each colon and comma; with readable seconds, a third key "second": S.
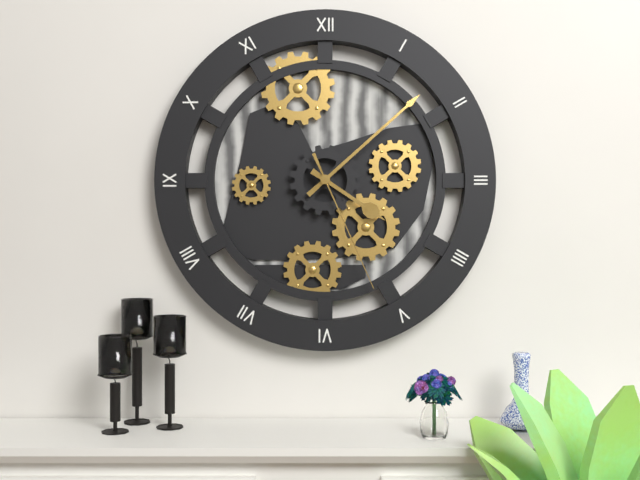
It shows {"hour": 4, "minute": 8, "second": 26}
